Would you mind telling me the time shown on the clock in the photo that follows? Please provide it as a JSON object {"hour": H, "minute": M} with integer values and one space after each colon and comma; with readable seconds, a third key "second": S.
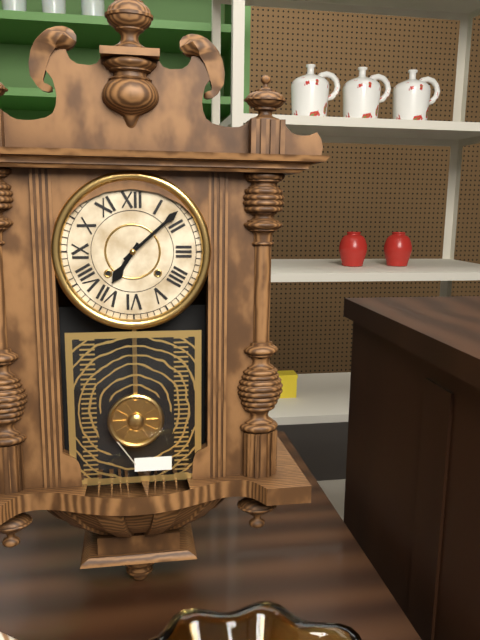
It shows {"hour": 7, "minute": 8}
